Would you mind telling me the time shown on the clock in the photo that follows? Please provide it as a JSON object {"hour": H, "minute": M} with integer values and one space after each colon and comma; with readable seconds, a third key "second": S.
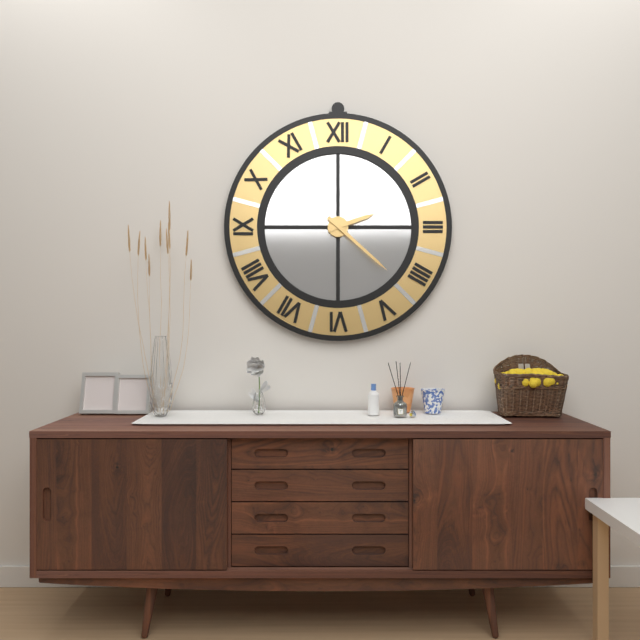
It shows {"hour": 2, "minute": 22}
